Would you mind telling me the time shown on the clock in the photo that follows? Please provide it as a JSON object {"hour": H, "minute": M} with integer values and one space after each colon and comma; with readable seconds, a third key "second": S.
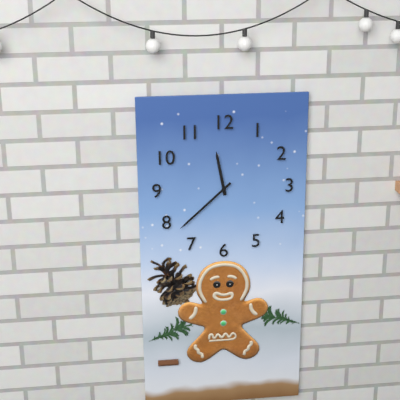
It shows {"hour": 11, "minute": 38}
